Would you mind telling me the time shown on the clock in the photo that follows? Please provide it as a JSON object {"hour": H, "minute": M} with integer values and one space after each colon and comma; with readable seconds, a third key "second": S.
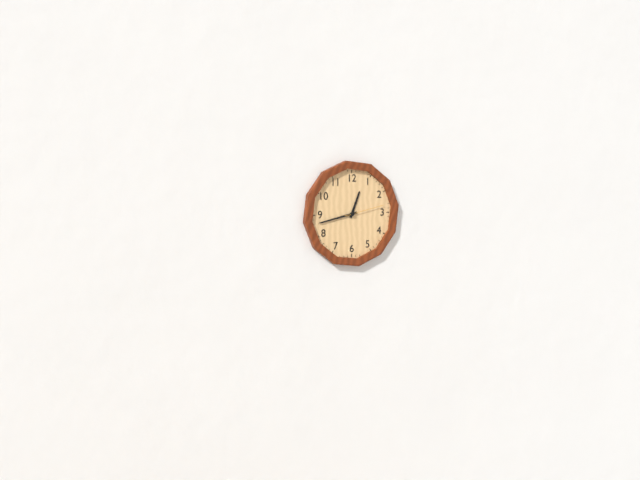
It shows {"hour": 12, "minute": 43}
